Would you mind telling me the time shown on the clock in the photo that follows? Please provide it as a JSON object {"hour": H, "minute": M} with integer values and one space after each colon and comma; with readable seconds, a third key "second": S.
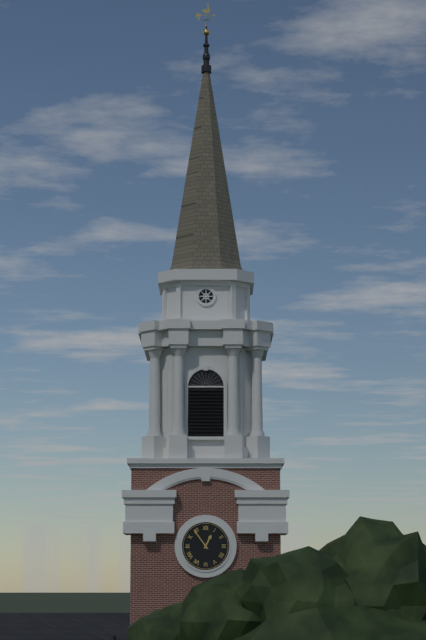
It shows {"hour": 12, "minute": 54}
